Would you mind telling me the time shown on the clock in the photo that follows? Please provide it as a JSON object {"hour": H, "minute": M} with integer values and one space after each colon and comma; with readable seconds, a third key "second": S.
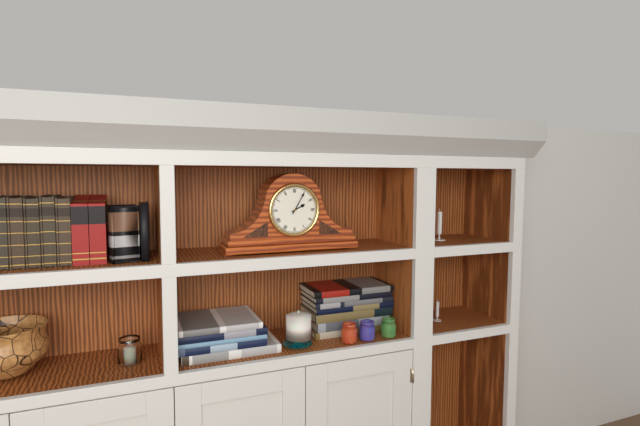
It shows {"hour": 2, "minute": 5}
